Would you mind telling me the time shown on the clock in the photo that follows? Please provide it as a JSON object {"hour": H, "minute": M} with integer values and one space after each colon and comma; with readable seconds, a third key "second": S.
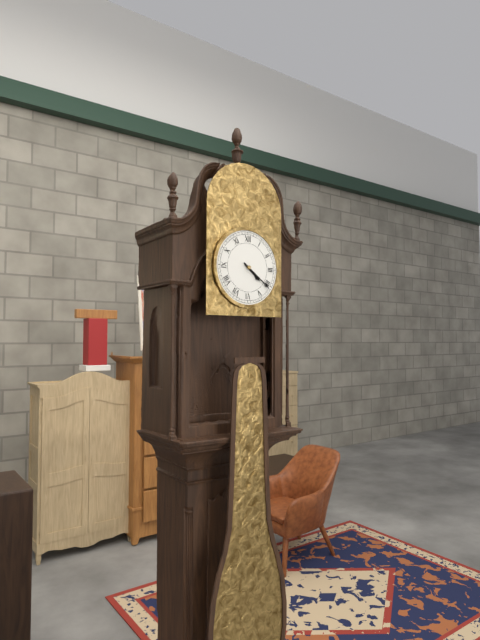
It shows {"hour": 4, "minute": 21}
